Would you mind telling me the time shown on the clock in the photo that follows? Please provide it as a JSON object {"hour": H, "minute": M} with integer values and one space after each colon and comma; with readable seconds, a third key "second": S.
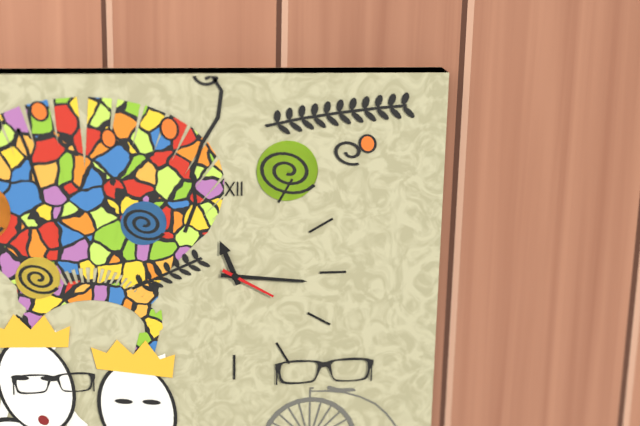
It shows {"hour": 11, "minute": 16, "second": 20}
